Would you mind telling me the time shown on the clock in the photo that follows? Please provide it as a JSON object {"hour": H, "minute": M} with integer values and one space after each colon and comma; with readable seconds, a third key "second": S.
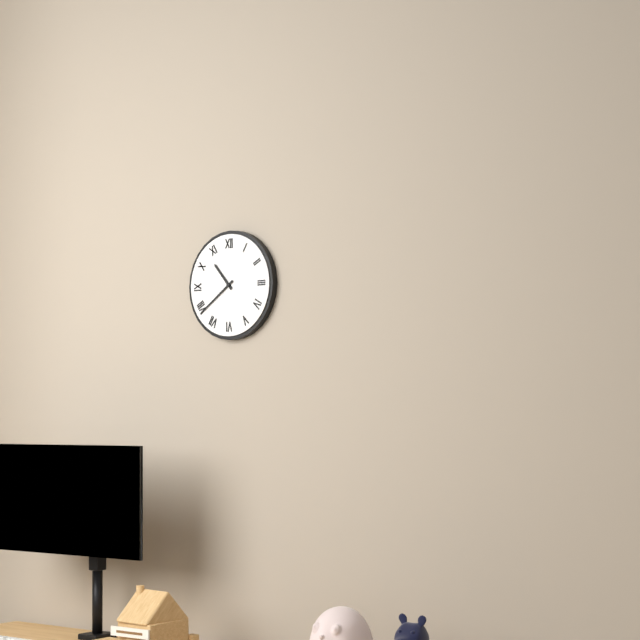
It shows {"hour": 10, "minute": 39}
